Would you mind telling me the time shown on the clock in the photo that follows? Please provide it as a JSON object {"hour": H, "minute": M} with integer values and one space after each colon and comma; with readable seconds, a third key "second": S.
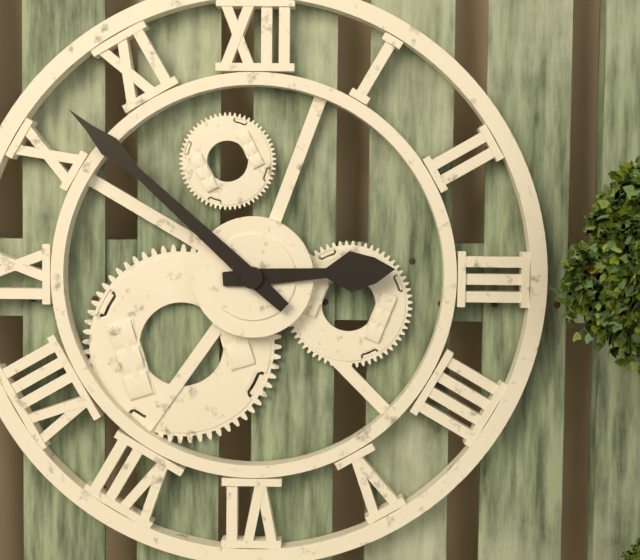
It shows {"hour": 2, "minute": 52}
